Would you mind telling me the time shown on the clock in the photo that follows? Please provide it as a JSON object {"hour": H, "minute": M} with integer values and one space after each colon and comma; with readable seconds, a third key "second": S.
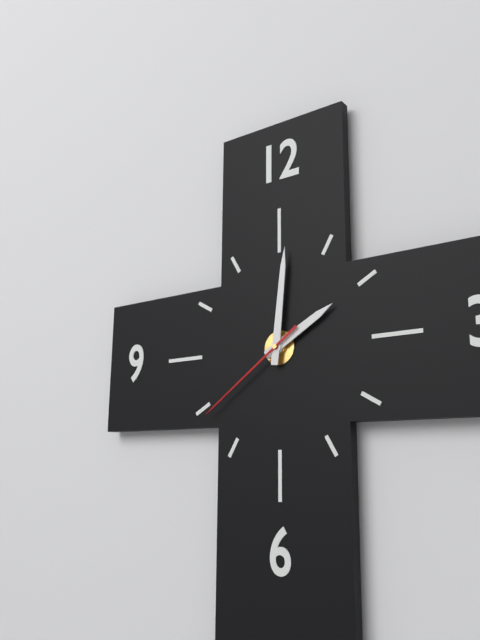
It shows {"hour": 2, "minute": 1, "second": 39}
